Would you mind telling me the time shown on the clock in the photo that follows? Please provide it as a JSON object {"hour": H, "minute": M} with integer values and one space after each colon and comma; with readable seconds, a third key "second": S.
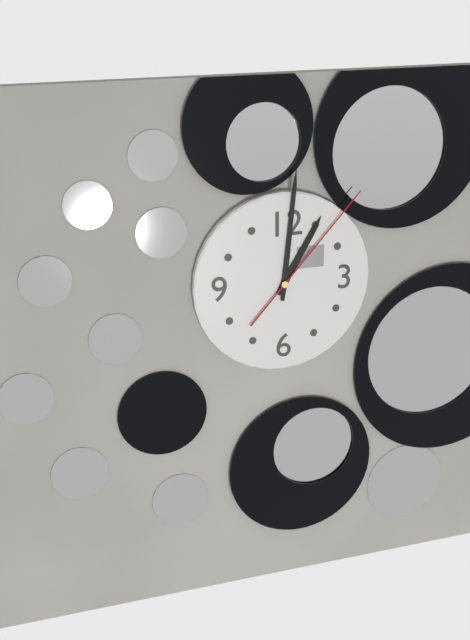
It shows {"hour": 1, "minute": 1, "second": 7}
